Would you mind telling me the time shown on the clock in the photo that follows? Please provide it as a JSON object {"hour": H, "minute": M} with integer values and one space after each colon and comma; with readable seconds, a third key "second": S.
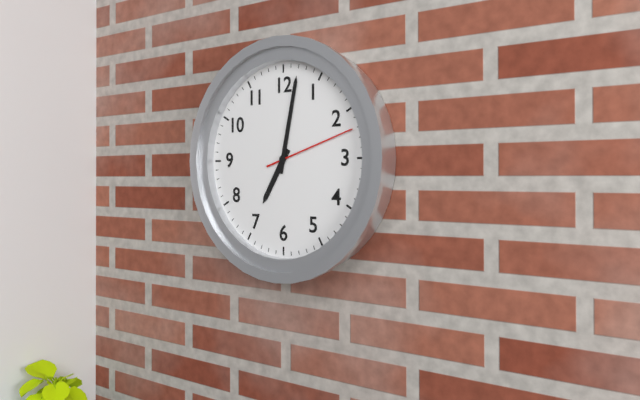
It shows {"hour": 7, "minute": 2, "second": 12}
